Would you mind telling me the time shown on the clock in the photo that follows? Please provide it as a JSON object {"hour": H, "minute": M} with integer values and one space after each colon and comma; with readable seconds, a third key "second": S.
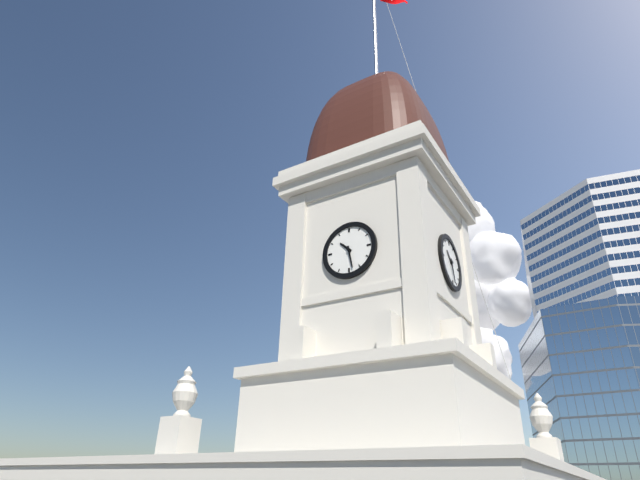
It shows {"hour": 10, "minute": 28}
